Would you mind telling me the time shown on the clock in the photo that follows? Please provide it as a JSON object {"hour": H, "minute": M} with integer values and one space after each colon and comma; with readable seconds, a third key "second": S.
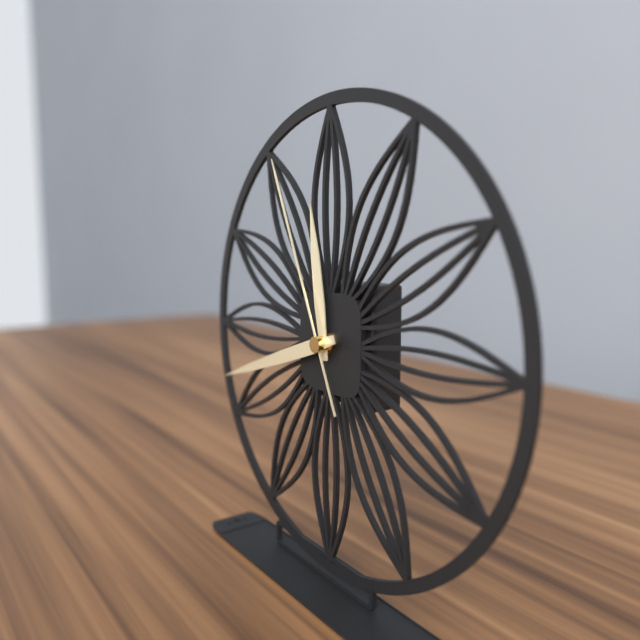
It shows {"hour": 11, "minute": 42, "second": 56}
